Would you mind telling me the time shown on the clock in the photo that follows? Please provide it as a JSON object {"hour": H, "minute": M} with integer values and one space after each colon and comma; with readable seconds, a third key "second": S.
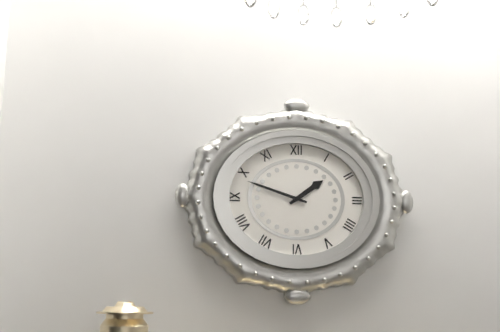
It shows {"hour": 1, "minute": 48}
